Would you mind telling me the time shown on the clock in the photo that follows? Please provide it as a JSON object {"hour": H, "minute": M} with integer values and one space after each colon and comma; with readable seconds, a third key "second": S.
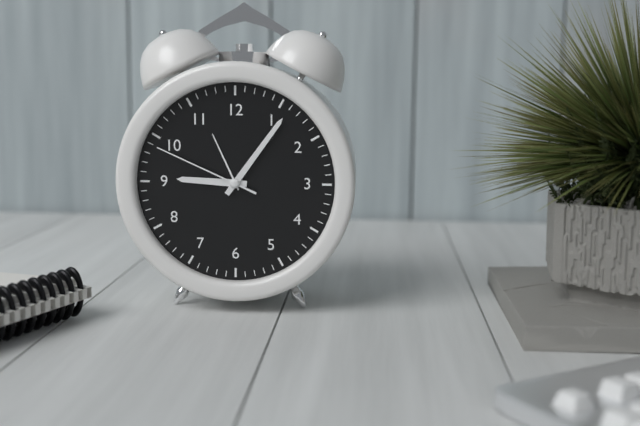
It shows {"hour": 9, "minute": 6, "second": 49}
